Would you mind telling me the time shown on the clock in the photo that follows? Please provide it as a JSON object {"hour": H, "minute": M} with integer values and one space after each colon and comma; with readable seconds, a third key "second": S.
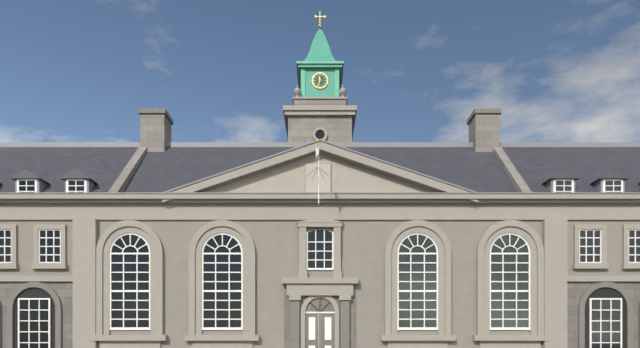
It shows {"hour": 11, "minute": 33}
